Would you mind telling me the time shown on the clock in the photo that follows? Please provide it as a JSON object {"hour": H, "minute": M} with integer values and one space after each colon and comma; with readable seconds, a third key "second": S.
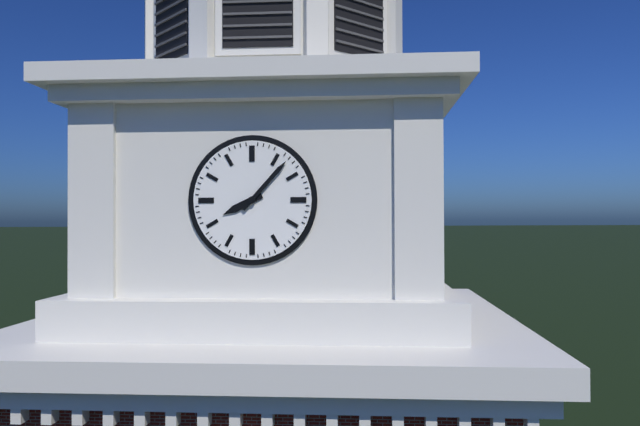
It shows {"hour": 8, "minute": 7}
